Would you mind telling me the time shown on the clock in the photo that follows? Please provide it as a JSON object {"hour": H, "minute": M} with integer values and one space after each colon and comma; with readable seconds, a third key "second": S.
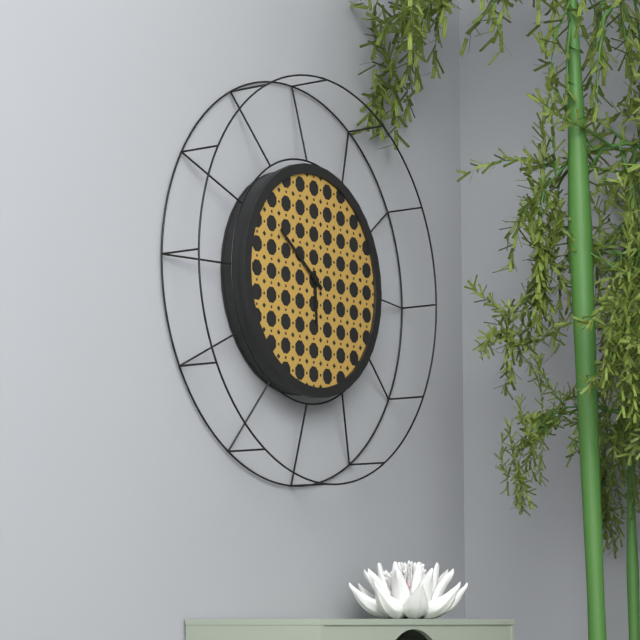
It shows {"hour": 5, "minute": 51}
